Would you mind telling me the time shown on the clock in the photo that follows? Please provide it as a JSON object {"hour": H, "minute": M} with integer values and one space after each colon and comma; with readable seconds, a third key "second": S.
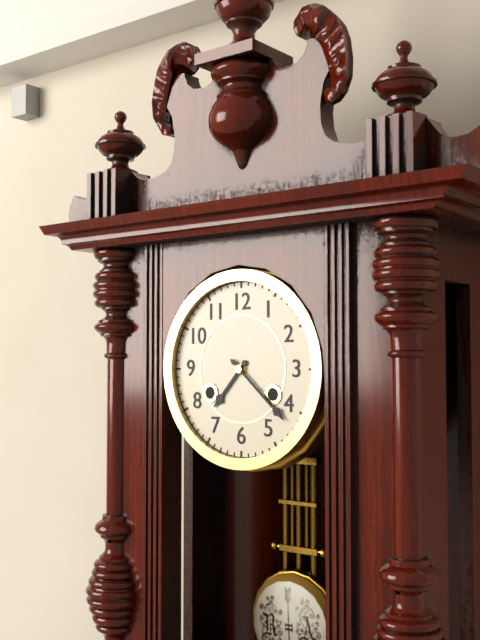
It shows {"hour": 7, "minute": 22}
